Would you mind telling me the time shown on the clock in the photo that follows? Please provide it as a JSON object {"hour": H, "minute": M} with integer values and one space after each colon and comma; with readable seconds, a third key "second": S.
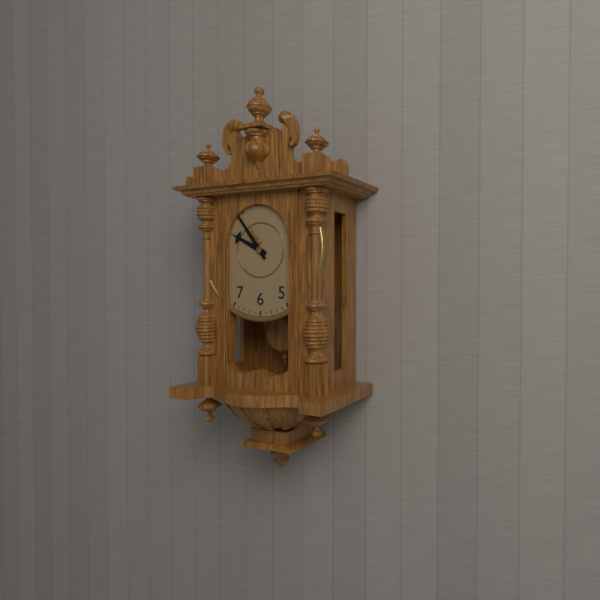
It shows {"hour": 9, "minute": 54}
